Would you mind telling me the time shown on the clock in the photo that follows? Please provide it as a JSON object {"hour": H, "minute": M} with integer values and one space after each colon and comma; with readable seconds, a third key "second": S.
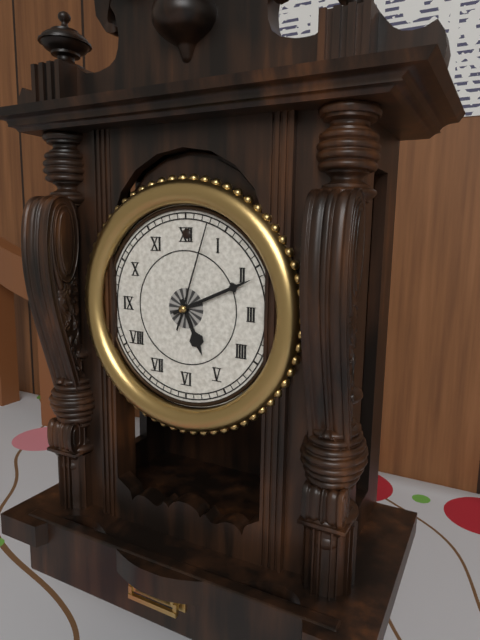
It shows {"hour": 5, "minute": 11, "second": 3}
